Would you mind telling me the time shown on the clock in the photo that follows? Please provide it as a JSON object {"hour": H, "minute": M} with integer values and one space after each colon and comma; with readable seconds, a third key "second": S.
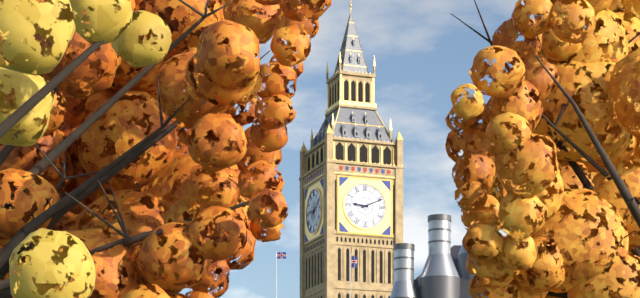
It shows {"hour": 9, "minute": 11}
